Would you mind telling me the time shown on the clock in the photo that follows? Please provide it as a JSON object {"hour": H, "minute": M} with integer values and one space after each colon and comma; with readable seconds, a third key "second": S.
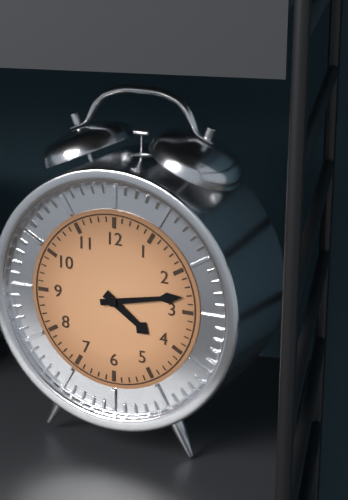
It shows {"hour": 4, "minute": 13}
